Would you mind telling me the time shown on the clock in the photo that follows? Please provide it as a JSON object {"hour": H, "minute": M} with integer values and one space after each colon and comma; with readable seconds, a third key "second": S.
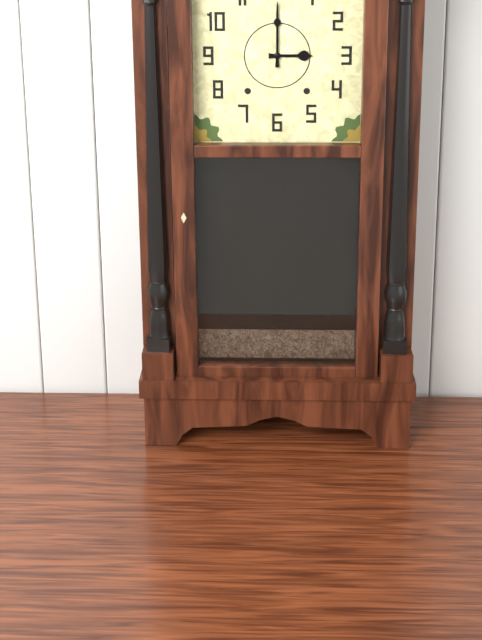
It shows {"hour": 3, "minute": 0}
